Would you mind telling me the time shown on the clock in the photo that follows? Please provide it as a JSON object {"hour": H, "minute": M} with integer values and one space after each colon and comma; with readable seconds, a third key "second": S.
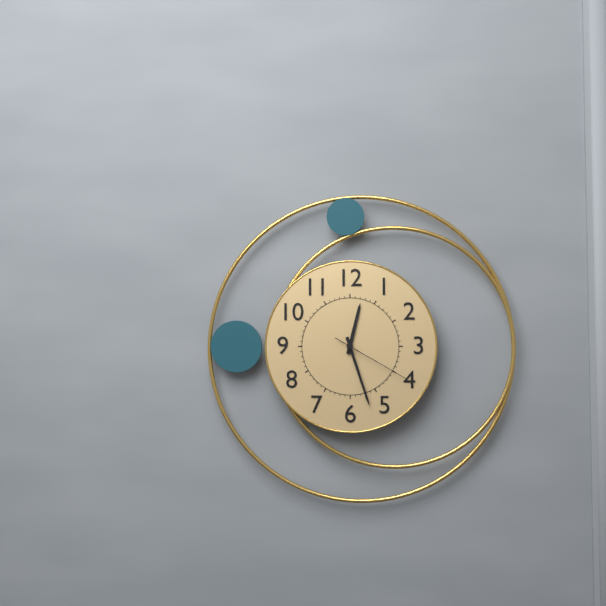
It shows {"hour": 12, "minute": 27, "second": 20}
